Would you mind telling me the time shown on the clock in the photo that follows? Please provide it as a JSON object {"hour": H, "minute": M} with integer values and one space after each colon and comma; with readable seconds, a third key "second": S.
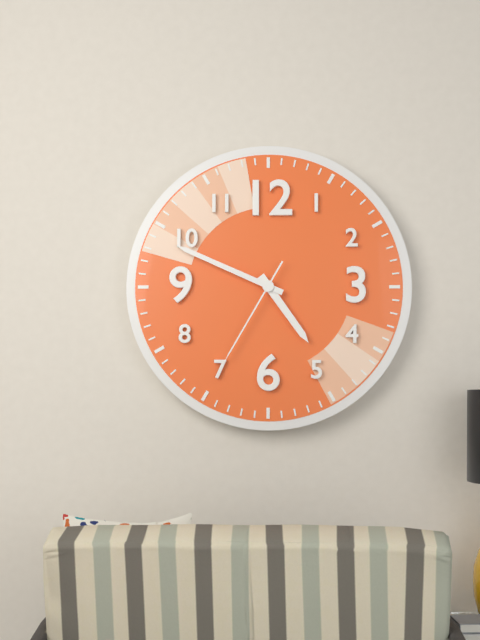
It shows {"hour": 4, "minute": 49, "second": 35}
